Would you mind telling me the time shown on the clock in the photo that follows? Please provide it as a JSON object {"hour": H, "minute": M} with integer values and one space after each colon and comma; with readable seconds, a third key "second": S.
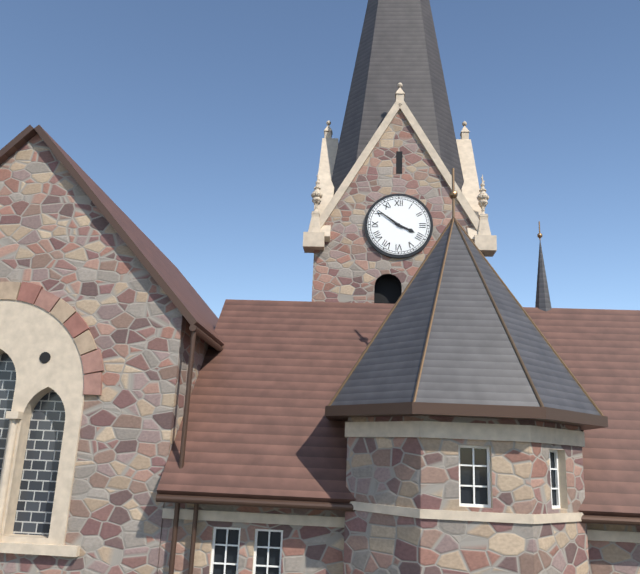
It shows {"hour": 3, "minute": 51}
